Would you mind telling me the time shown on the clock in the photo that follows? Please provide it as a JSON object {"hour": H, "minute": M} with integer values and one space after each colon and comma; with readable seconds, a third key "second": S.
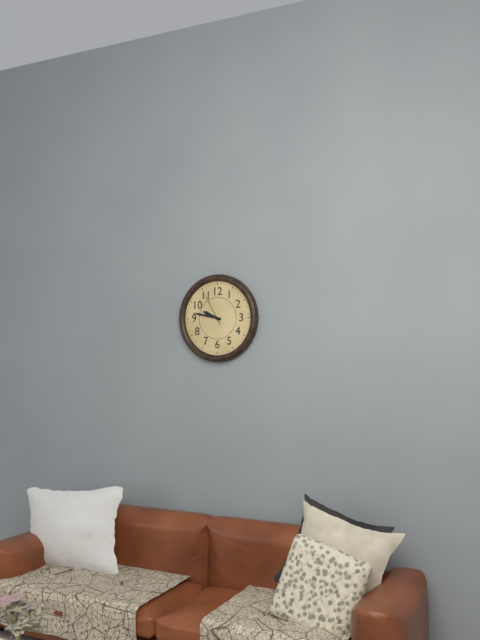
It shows {"hour": 9, "minute": 47}
